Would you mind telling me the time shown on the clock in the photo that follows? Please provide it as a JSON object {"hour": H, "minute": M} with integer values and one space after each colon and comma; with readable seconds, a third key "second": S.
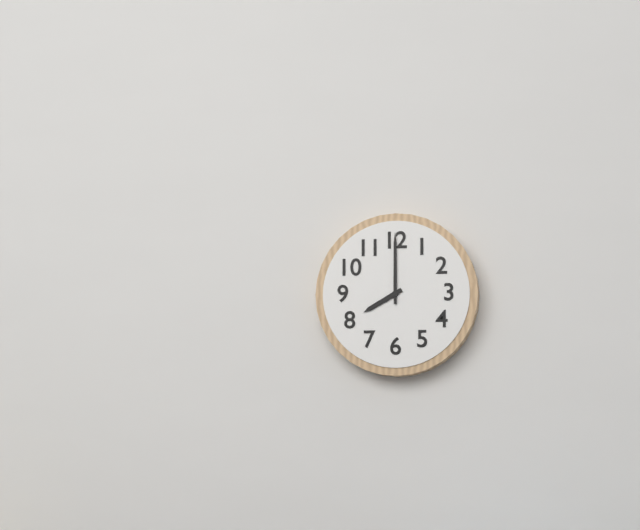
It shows {"hour": 8, "minute": 0}
